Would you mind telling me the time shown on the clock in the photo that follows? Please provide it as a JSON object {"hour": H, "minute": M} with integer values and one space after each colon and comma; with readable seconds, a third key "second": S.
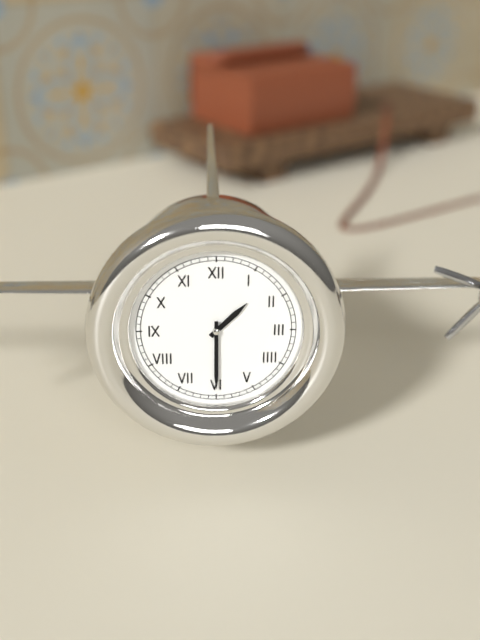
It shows {"hour": 1, "minute": 30}
